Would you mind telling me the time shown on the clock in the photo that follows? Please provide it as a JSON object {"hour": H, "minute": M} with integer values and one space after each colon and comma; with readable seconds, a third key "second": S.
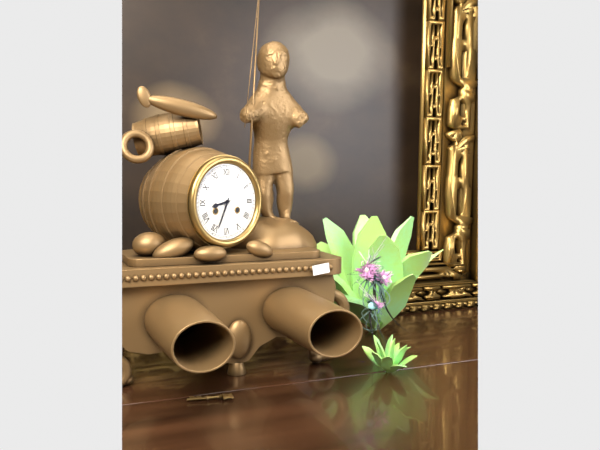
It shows {"hour": 8, "minute": 34}
